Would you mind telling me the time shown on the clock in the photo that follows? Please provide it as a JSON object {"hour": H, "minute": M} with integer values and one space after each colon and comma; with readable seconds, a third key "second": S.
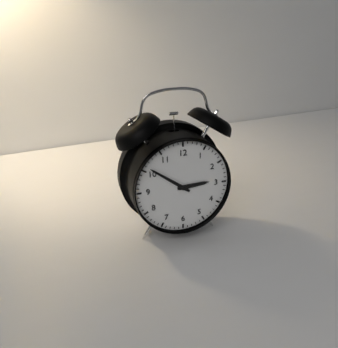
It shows {"hour": 2, "minute": 51}
